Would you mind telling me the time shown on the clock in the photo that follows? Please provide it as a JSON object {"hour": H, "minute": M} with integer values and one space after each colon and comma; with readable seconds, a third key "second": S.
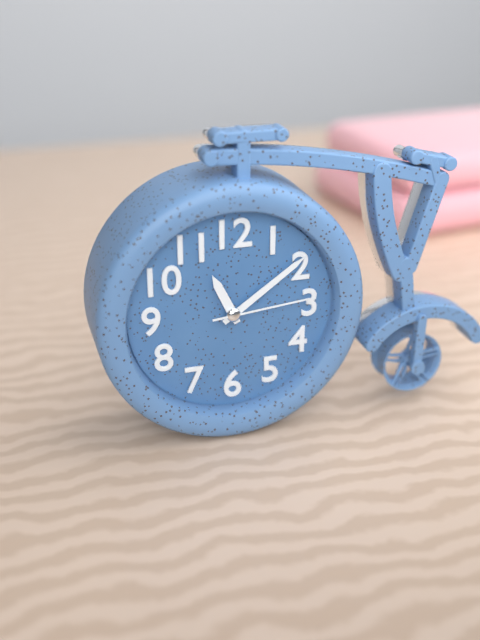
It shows {"hour": 11, "minute": 9, "second": 14}
